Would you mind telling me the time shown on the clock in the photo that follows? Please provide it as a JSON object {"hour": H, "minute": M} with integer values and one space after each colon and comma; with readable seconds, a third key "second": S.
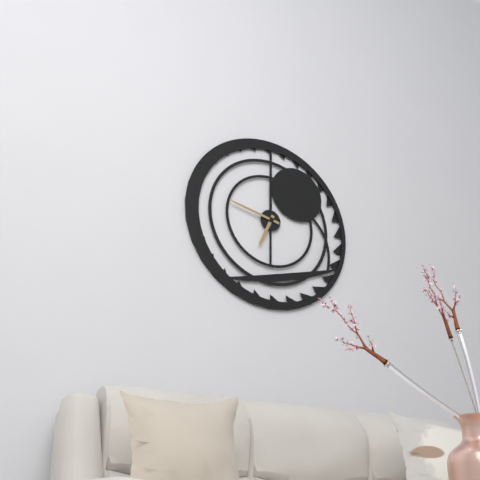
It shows {"hour": 6, "minute": 47}
